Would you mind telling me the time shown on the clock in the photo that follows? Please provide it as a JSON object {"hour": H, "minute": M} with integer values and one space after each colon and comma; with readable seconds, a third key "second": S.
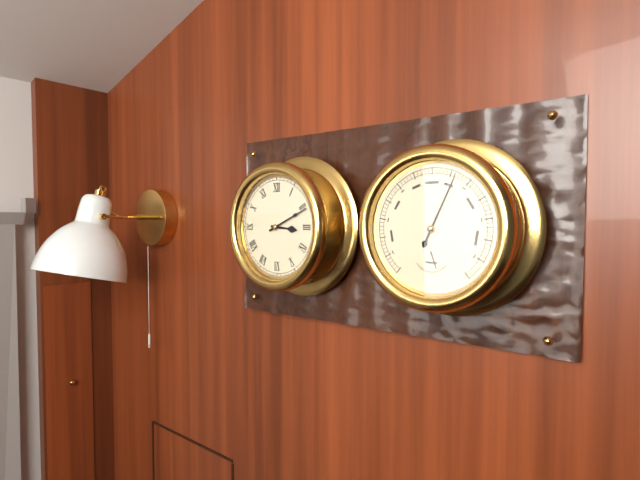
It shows {"hour": 3, "minute": 11}
